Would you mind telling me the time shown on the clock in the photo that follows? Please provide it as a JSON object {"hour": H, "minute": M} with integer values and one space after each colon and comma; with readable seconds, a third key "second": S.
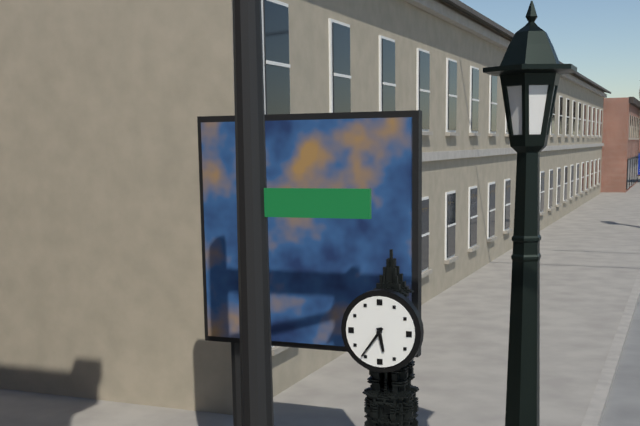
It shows {"hour": 5, "minute": 36}
